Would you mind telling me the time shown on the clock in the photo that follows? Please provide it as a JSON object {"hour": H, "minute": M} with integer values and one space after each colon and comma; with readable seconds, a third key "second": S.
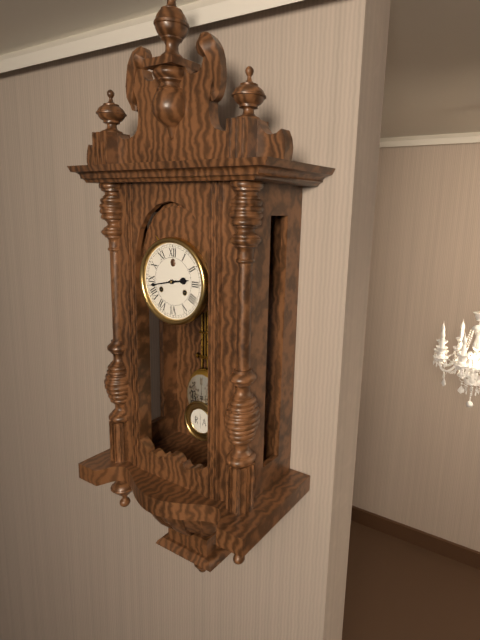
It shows {"hour": 2, "minute": 43}
